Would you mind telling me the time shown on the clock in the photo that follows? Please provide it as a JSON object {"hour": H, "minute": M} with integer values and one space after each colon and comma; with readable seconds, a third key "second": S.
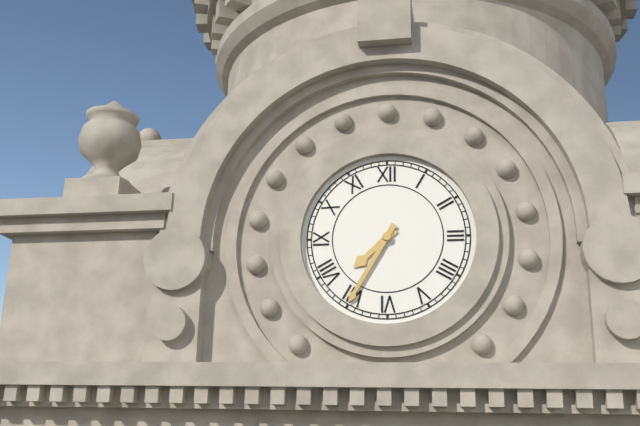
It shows {"hour": 7, "minute": 35}
